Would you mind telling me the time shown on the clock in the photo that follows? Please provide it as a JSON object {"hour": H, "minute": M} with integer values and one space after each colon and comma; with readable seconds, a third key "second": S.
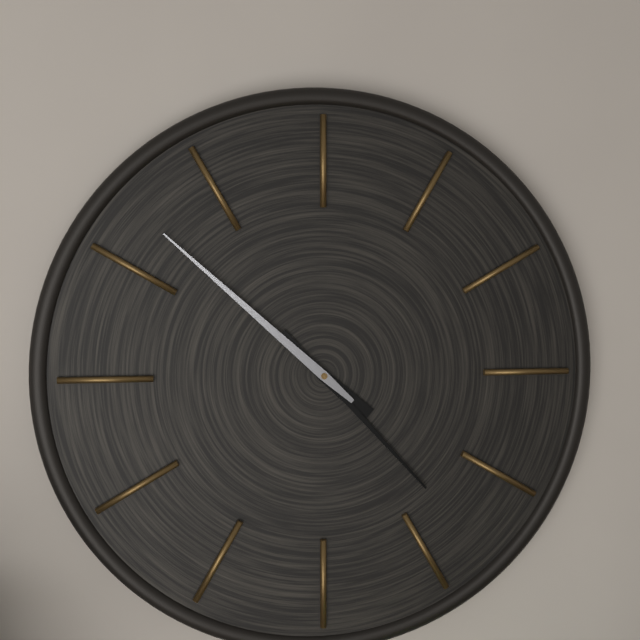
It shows {"hour": 4, "minute": 23, "second": 52}
